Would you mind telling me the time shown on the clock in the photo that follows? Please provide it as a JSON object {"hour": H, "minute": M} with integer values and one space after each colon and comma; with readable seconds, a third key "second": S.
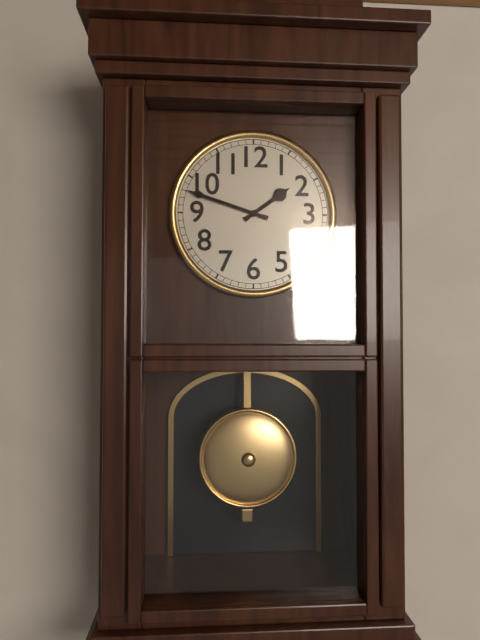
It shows {"hour": 1, "minute": 48}
